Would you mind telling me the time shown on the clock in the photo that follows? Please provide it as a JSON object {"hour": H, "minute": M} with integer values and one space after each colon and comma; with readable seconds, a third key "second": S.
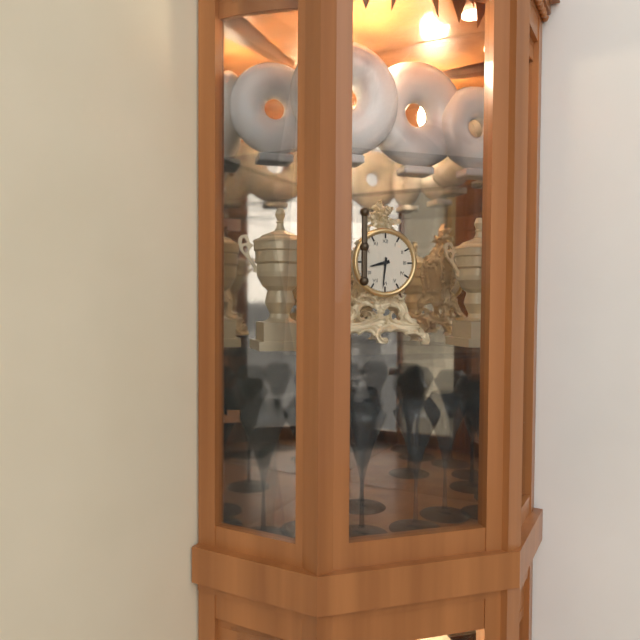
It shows {"hour": 8, "minute": 31}
